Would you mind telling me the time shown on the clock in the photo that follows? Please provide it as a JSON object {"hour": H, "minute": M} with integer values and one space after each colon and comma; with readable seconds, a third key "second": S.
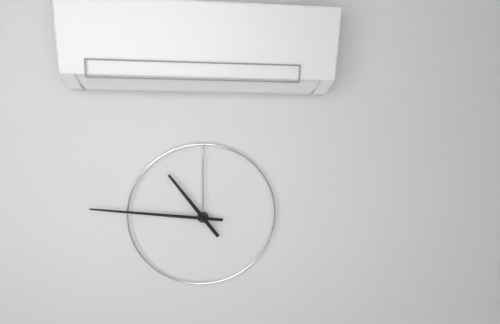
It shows {"hour": 10, "minute": 46}
